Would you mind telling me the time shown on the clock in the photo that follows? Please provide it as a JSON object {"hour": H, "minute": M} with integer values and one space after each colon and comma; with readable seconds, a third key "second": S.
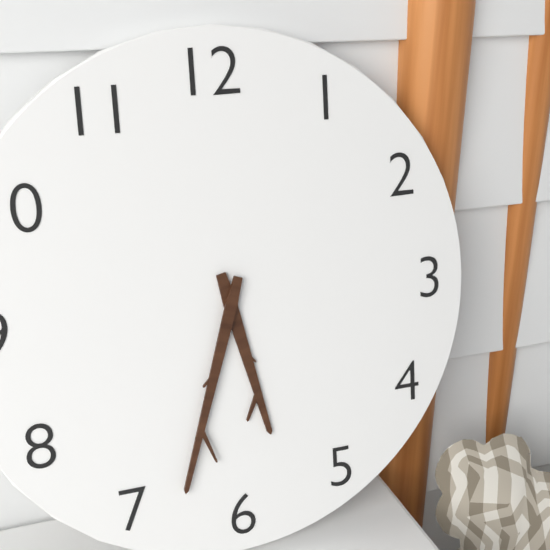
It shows {"hour": 5, "minute": 33}
